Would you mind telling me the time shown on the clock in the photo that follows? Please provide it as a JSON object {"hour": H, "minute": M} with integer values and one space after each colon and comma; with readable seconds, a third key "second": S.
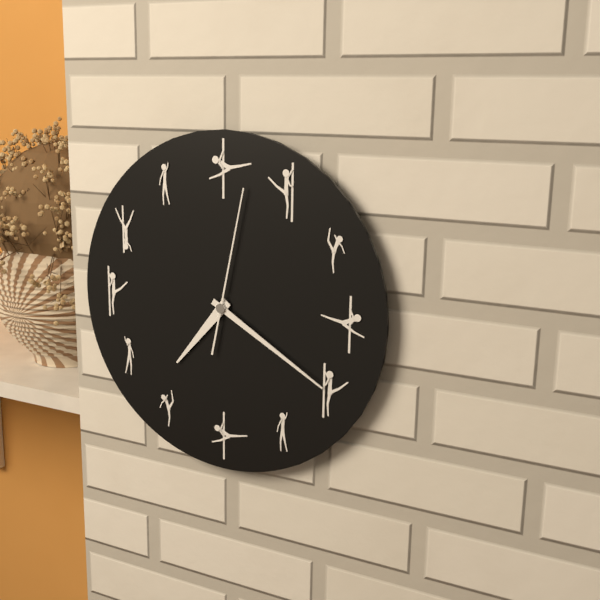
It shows {"hour": 7, "minute": 20, "second": 2}
